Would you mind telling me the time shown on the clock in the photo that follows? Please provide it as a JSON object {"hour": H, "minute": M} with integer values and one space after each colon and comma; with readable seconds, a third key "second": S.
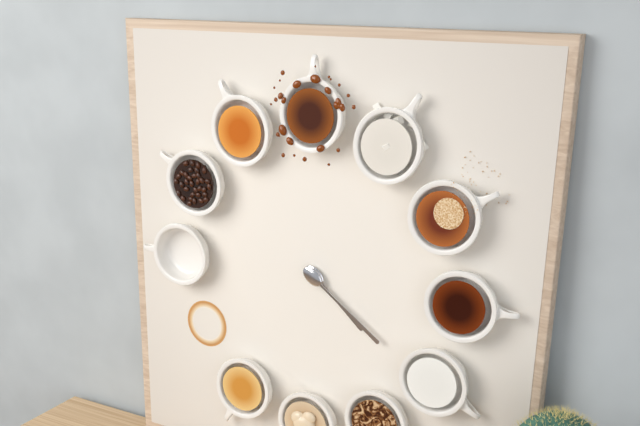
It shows {"hour": 4, "minute": 21}
